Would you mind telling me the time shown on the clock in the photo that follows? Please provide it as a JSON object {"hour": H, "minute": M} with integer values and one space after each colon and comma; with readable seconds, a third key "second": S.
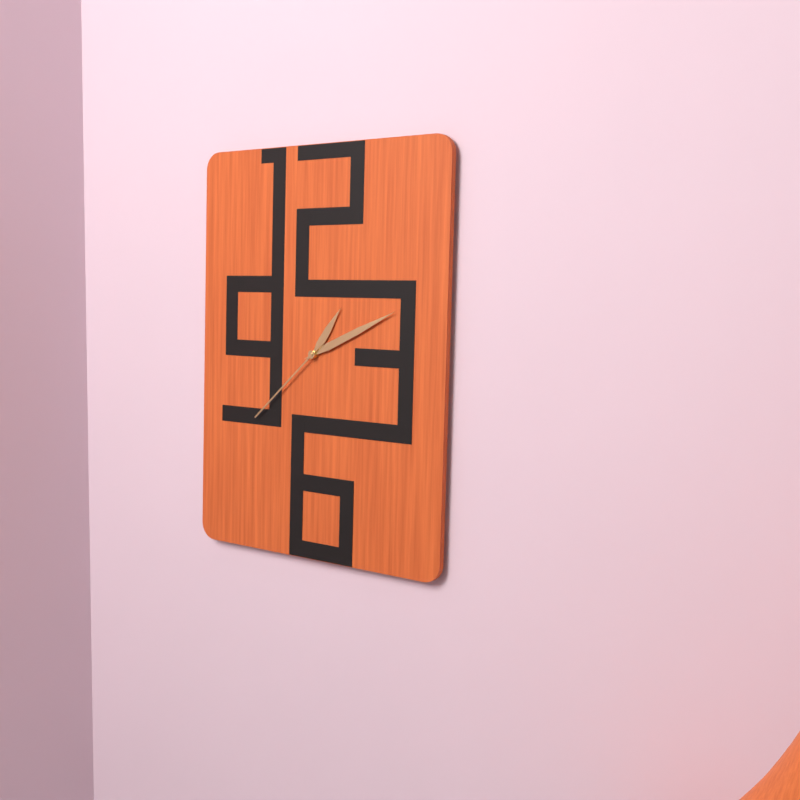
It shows {"hour": 1, "minute": 11, "second": 38}
